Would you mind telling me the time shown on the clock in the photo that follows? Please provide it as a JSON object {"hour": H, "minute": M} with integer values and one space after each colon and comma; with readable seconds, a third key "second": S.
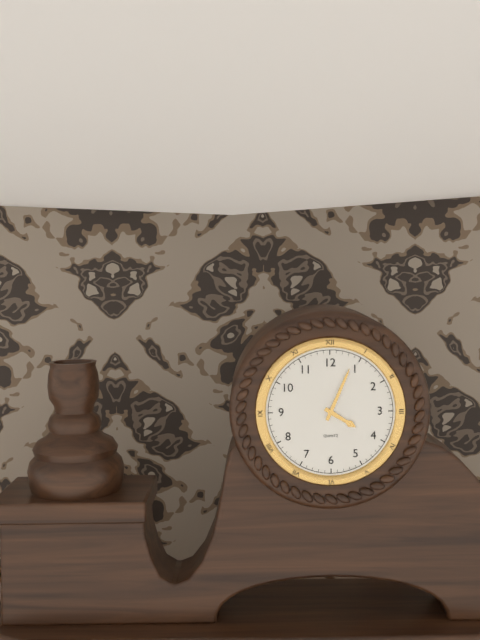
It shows {"hour": 4, "minute": 4}
